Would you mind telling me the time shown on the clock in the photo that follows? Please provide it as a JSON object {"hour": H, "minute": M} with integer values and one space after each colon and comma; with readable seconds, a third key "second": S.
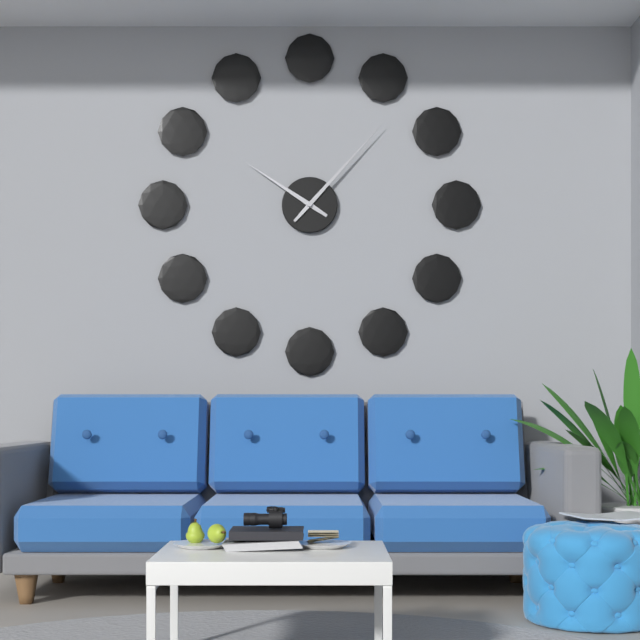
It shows {"hour": 10, "minute": 7}
